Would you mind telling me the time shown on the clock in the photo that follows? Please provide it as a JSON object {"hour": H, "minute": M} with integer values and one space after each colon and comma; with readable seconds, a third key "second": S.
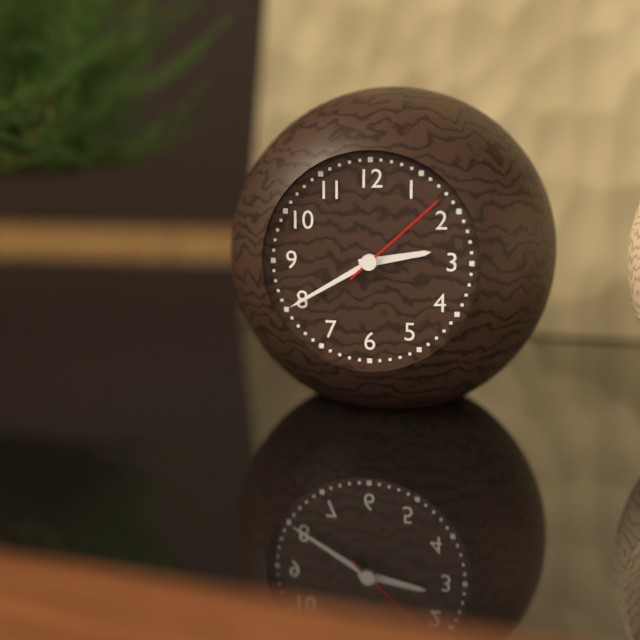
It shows {"hour": 2, "minute": 40, "second": 8}
